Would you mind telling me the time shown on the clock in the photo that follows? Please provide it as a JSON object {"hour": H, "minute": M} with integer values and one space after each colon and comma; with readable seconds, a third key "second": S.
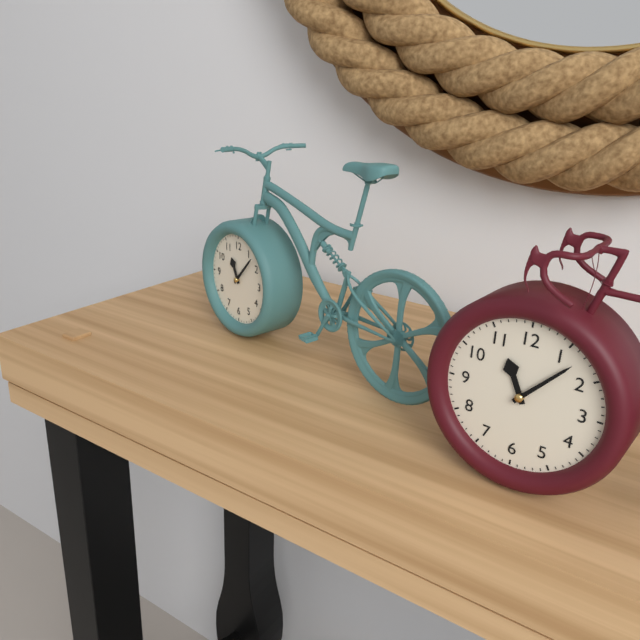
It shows {"hour": 11, "minute": 7}
